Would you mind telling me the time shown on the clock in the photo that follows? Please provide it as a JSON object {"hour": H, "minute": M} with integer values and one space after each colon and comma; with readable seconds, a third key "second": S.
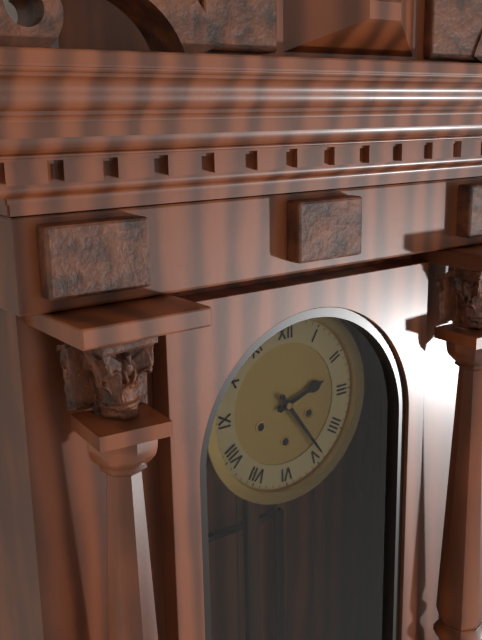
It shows {"hour": 2, "minute": 24}
